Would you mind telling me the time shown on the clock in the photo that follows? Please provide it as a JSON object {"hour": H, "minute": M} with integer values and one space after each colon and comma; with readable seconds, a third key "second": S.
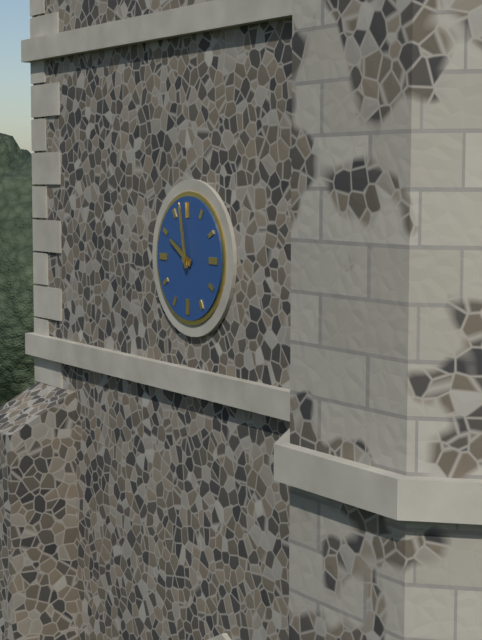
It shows {"hour": 9, "minute": 58}
